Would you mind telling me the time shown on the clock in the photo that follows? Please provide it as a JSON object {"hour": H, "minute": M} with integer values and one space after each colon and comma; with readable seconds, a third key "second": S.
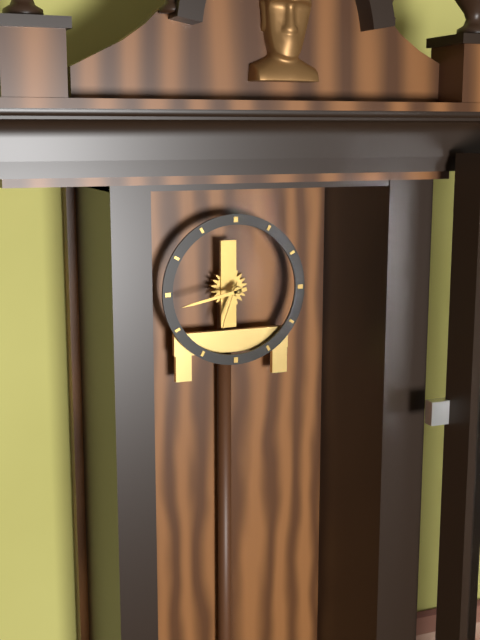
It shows {"hour": 6, "minute": 43}
